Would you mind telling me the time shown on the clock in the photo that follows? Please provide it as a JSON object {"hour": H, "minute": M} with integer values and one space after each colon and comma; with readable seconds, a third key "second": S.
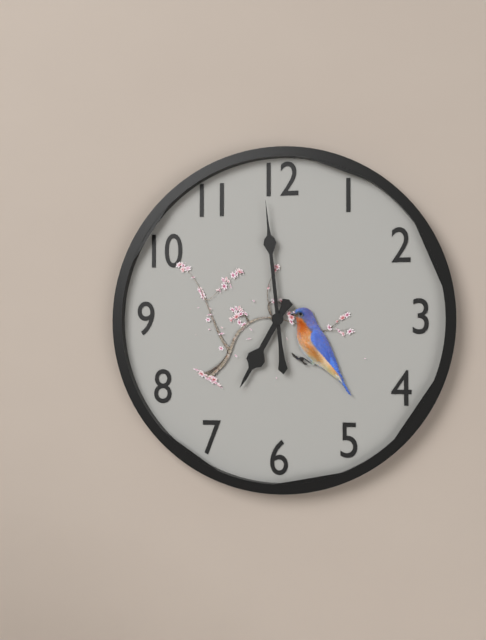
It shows {"hour": 6, "minute": 59}
